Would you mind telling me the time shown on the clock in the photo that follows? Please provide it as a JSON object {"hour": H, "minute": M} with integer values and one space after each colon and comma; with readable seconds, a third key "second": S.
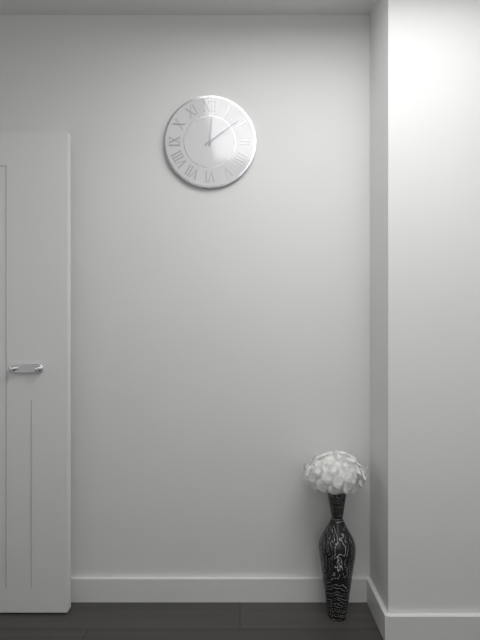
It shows {"hour": 12, "minute": 9}
